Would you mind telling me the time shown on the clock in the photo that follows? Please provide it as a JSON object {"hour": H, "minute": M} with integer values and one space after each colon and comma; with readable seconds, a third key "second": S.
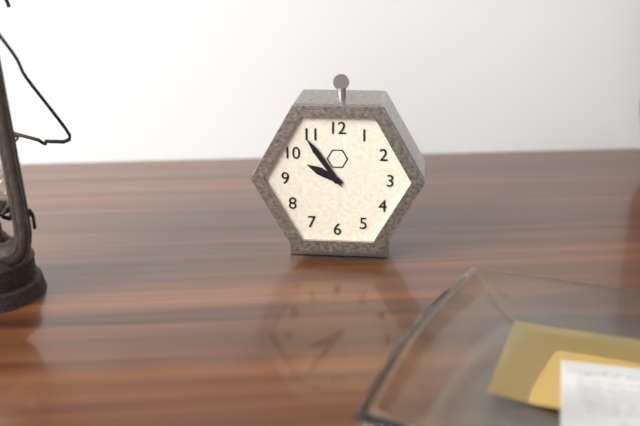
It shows {"hour": 9, "minute": 54}
